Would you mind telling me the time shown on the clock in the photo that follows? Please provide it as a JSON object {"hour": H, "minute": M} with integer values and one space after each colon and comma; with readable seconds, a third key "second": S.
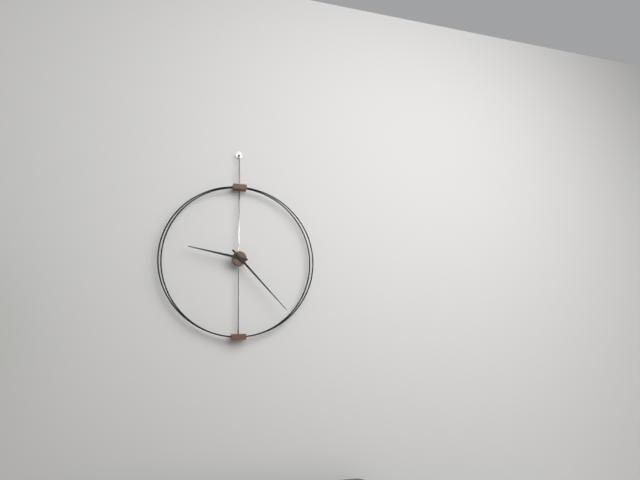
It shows {"hour": 9, "minute": 23}
